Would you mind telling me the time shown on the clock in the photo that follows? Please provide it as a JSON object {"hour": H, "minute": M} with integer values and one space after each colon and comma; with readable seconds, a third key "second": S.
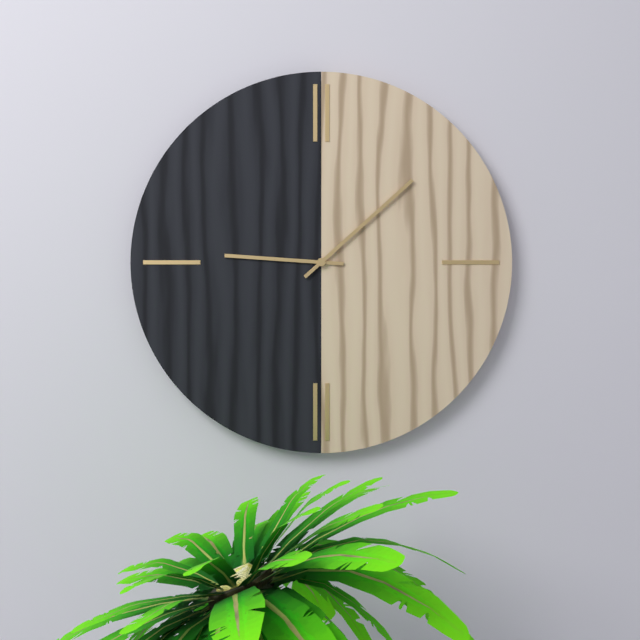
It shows {"hour": 9, "minute": 8}
